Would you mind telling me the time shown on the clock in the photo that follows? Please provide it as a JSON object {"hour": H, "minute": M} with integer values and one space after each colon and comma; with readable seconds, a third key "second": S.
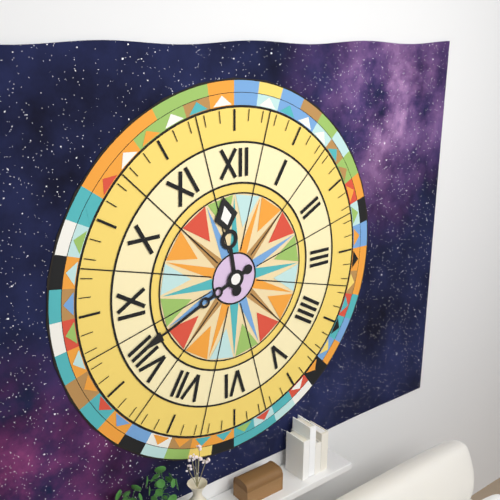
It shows {"hour": 11, "minute": 41}
